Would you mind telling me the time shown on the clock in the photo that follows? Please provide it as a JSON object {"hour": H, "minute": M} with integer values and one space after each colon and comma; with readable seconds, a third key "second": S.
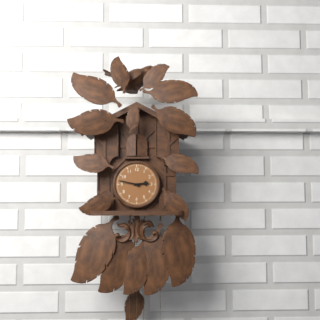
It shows {"hour": 2, "minute": 47}
